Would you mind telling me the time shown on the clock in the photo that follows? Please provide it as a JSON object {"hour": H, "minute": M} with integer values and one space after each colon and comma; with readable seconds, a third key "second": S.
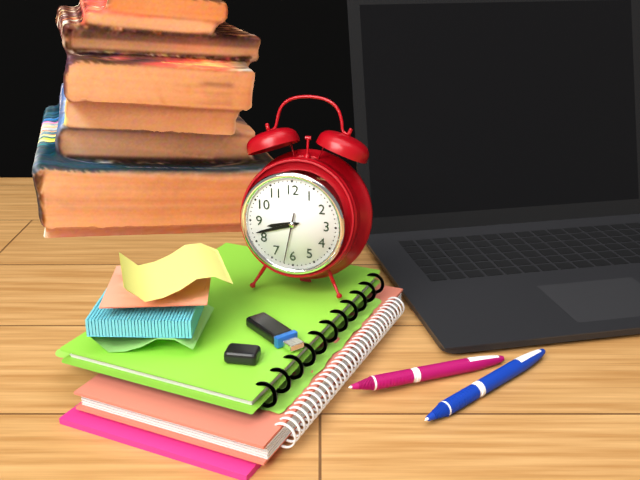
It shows {"hour": 8, "minute": 42}
